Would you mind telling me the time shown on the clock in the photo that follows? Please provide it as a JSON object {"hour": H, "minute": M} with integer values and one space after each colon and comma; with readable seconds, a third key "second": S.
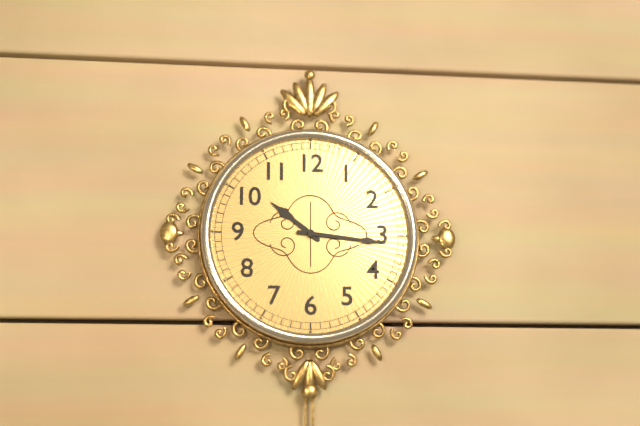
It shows {"hour": 10, "minute": 16}
